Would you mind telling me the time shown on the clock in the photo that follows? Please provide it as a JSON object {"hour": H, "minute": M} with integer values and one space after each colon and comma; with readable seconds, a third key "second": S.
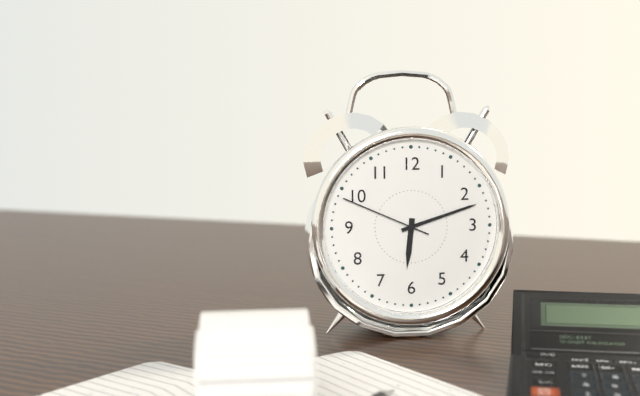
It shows {"hour": 6, "minute": 12, "second": 49}
